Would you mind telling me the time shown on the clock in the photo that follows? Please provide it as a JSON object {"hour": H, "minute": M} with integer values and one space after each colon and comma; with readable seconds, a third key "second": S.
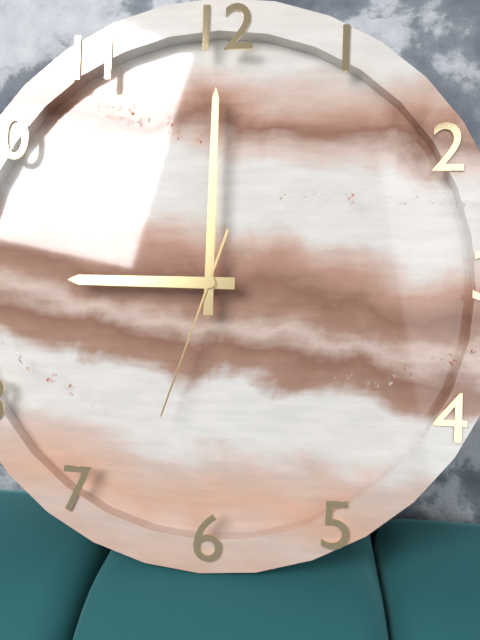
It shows {"hour": 9, "minute": 0, "second": 33}
